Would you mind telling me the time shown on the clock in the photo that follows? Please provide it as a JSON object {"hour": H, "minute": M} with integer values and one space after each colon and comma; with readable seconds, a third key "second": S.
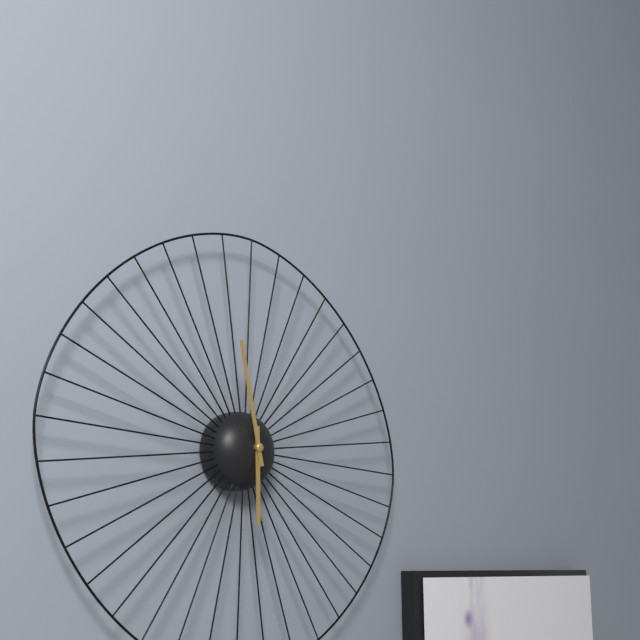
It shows {"hour": 5, "minute": 58}
